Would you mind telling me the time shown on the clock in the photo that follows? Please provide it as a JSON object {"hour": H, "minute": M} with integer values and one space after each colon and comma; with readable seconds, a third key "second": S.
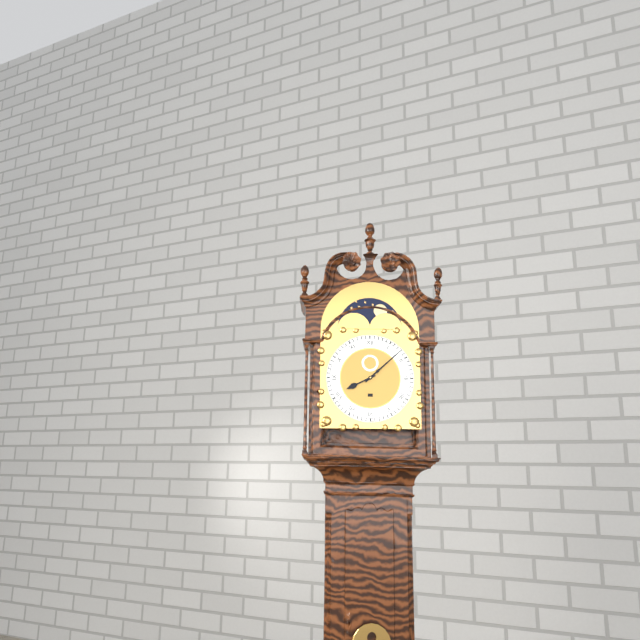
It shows {"hour": 8, "minute": 8}
